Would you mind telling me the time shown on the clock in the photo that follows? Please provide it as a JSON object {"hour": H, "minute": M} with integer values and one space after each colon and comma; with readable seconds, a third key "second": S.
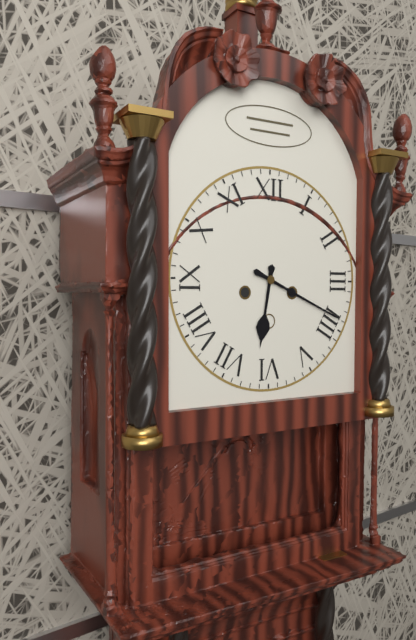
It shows {"hour": 6, "minute": 19}
